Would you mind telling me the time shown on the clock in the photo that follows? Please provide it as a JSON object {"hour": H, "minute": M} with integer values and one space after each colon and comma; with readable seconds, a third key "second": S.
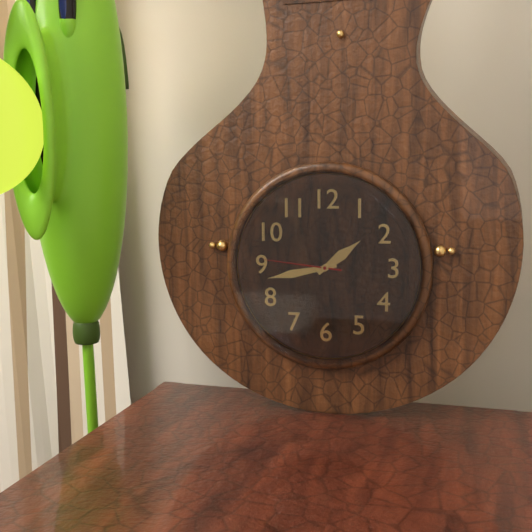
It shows {"hour": 1, "minute": 43, "second": 46}
